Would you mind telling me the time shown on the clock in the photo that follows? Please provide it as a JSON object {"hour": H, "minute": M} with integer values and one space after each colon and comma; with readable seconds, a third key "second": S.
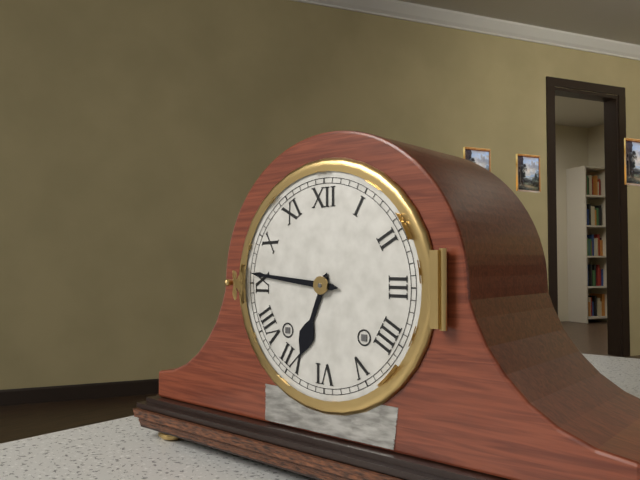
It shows {"hour": 6, "minute": 46}
